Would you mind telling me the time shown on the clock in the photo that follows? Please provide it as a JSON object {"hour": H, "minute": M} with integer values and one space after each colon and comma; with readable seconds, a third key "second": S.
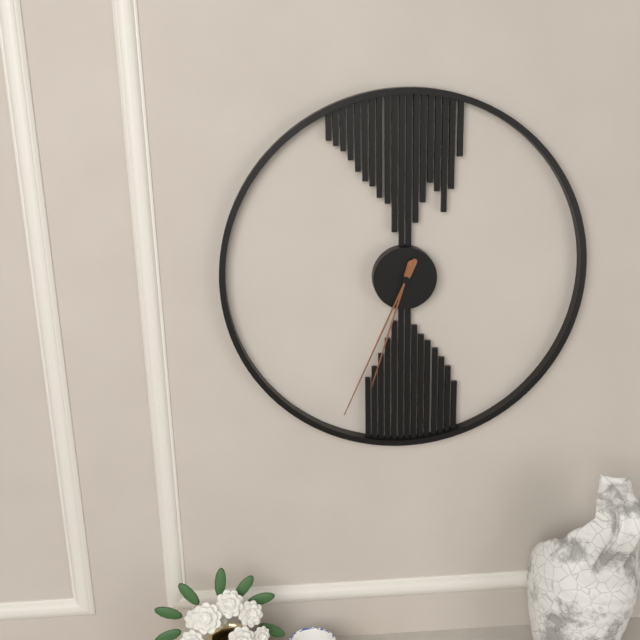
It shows {"hour": 6, "minute": 34}
